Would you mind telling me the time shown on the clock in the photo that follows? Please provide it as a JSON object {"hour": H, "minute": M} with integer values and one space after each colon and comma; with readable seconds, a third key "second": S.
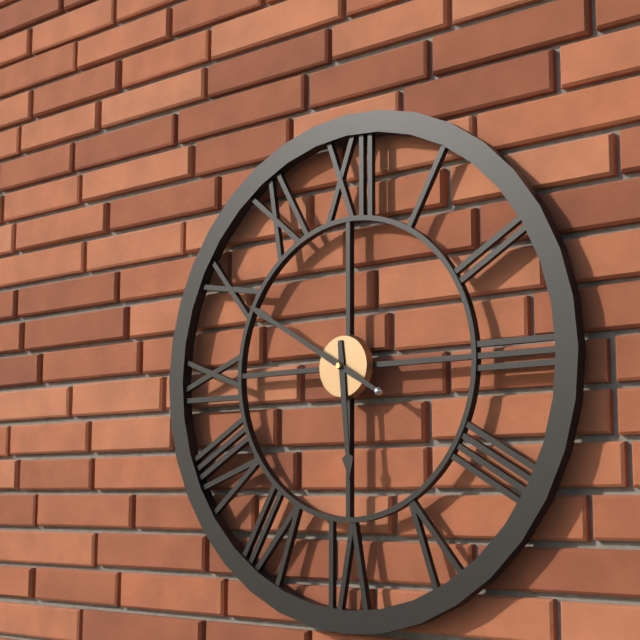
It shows {"hour": 5, "minute": 50}
